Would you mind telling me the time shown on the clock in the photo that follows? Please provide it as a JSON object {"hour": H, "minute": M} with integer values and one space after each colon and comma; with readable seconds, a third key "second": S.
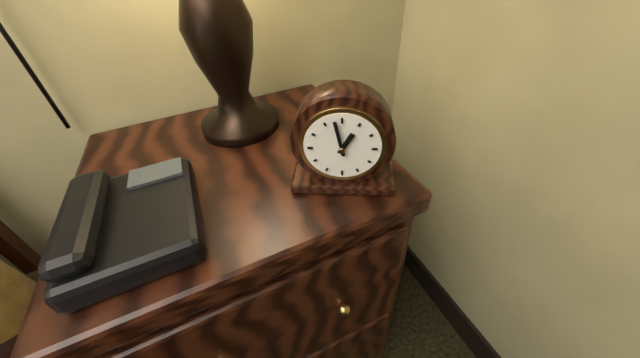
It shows {"hour": 12, "minute": 58}
